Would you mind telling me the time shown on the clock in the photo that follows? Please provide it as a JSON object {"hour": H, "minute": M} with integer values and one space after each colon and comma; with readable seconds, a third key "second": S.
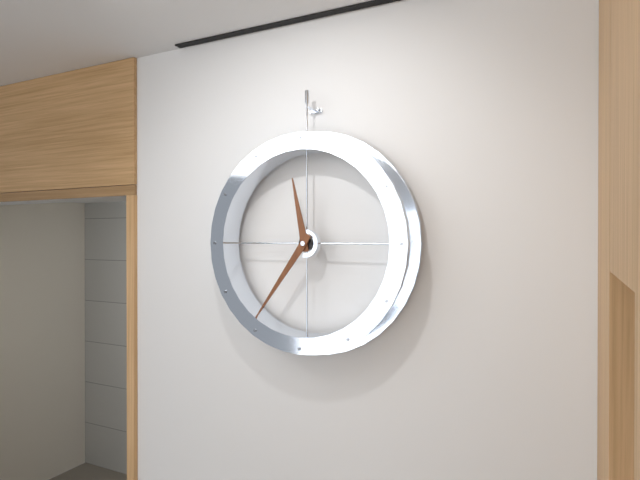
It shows {"hour": 11, "minute": 36}
